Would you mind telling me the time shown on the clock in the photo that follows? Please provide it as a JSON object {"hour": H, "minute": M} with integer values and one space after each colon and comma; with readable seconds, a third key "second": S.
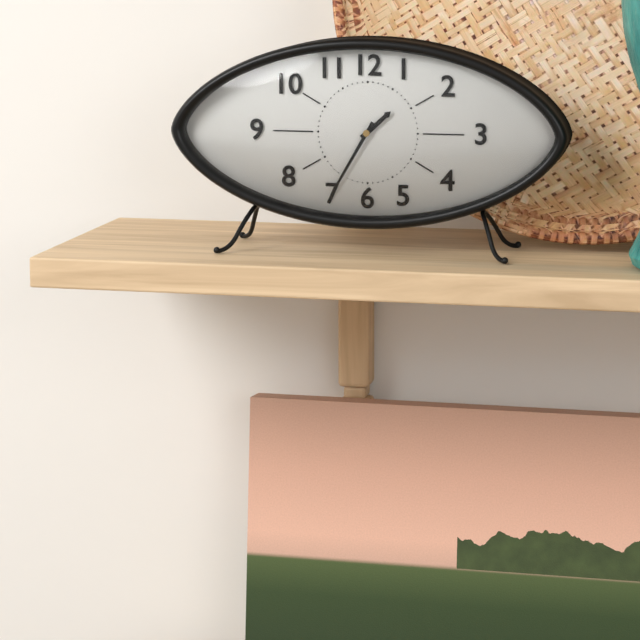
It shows {"hour": 1, "minute": 35}
